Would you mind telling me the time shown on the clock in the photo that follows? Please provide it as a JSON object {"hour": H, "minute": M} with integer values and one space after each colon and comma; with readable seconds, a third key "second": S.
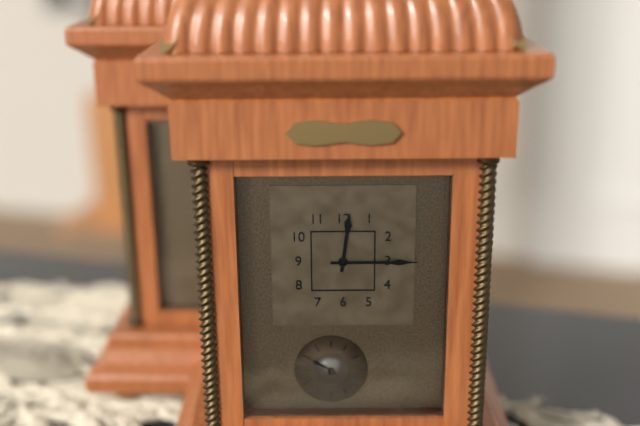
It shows {"hour": 12, "minute": 15}
